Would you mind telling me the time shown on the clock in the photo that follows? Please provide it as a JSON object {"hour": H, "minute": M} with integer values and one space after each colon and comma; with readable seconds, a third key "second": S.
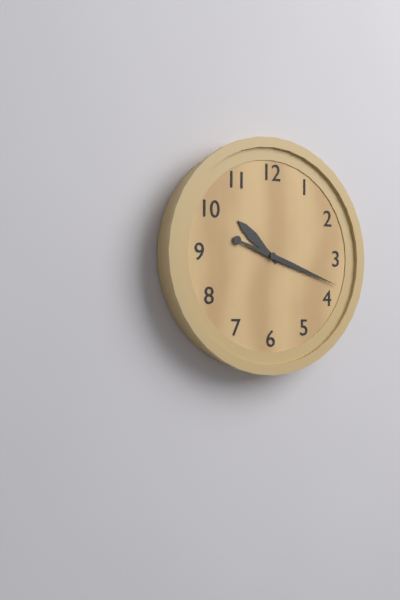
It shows {"hour": 10, "minute": 18}
